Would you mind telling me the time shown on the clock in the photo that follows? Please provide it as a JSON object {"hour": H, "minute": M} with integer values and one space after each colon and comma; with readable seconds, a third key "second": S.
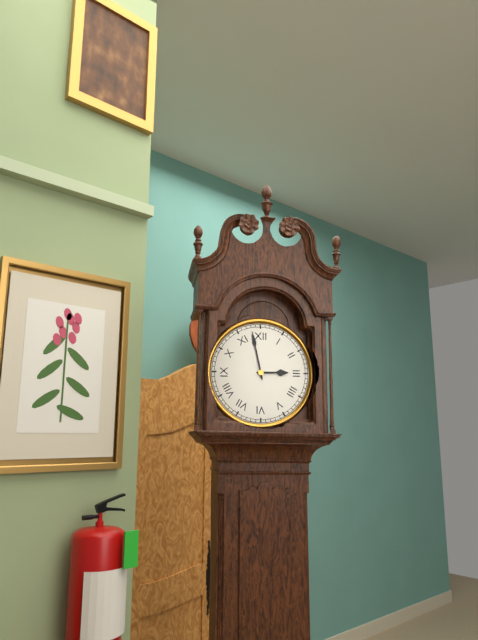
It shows {"hour": 2, "minute": 58}
